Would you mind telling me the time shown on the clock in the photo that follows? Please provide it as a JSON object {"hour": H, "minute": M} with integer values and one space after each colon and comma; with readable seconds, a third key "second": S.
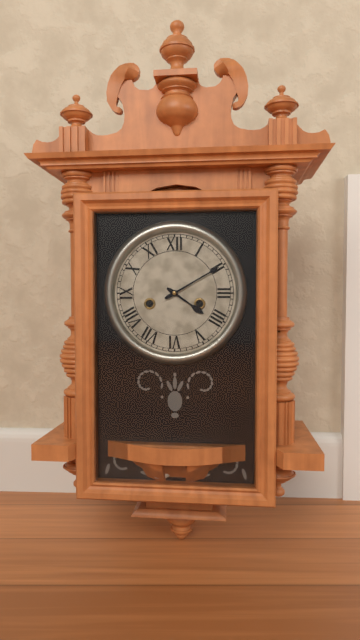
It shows {"hour": 4, "minute": 10}
